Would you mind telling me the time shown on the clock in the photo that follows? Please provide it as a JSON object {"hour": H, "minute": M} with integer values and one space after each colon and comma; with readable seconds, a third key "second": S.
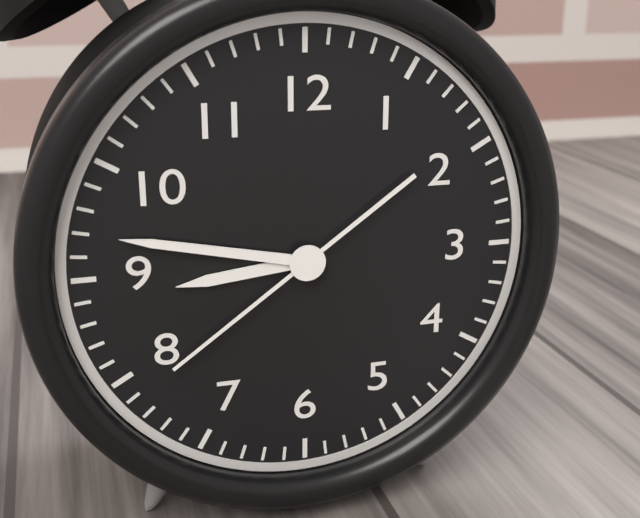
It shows {"hour": 8, "minute": 47, "second": 39}
